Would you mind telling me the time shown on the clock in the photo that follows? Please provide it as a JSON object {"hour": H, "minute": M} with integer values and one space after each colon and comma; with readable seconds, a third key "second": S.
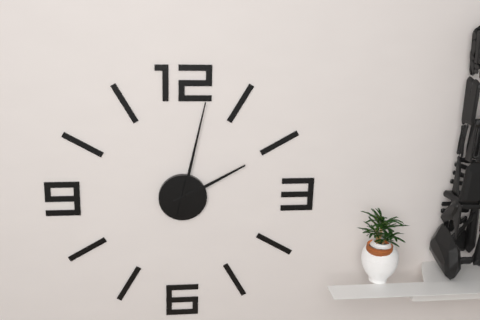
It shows {"hour": 2, "minute": 2}
